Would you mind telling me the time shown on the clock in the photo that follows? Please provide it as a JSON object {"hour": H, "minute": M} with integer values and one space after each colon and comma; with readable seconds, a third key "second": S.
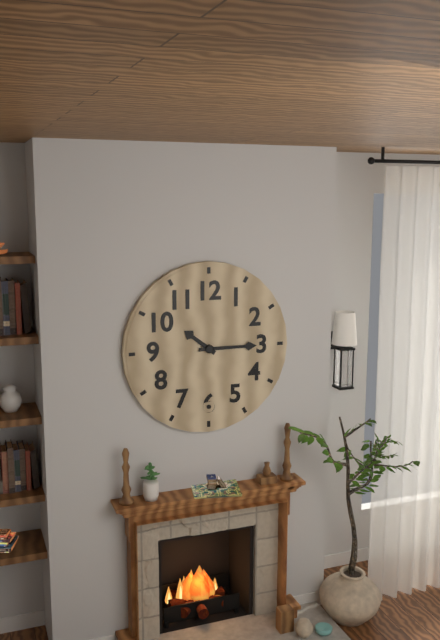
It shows {"hour": 10, "minute": 15}
